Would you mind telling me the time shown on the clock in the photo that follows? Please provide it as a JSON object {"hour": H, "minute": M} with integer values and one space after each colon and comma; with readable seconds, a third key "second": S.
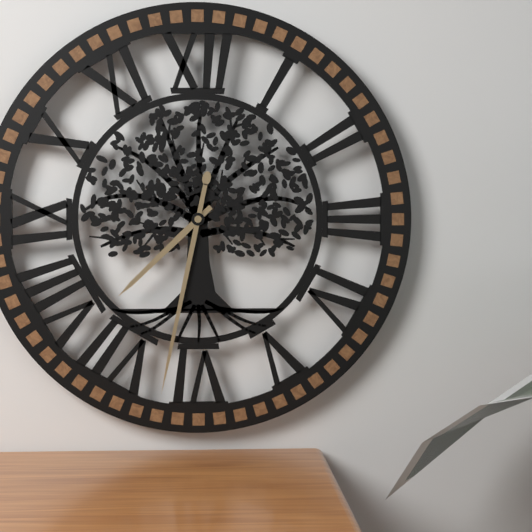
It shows {"hour": 7, "minute": 32}
